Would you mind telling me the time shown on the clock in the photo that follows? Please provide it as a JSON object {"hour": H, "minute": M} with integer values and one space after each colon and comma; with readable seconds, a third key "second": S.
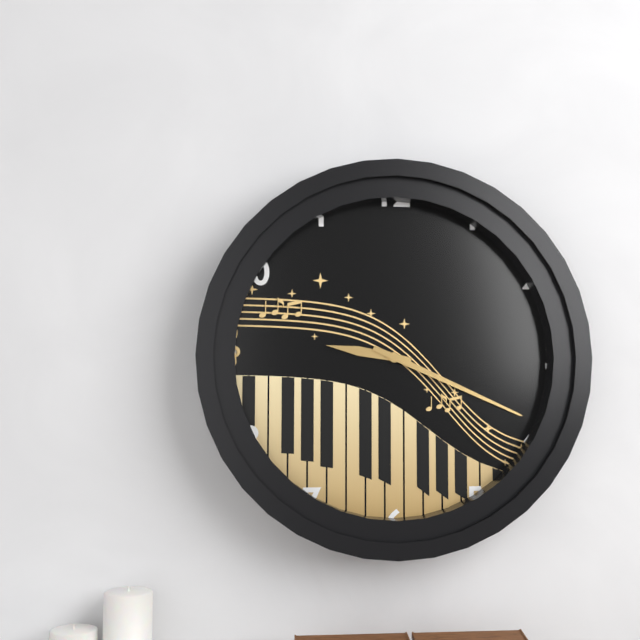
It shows {"hour": 9, "minute": 19}
